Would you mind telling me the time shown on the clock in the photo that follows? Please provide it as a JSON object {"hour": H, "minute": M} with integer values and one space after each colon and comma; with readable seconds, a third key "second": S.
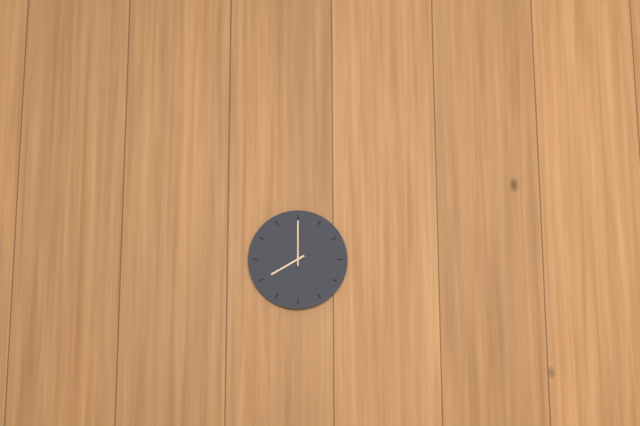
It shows {"hour": 8, "minute": 0}
